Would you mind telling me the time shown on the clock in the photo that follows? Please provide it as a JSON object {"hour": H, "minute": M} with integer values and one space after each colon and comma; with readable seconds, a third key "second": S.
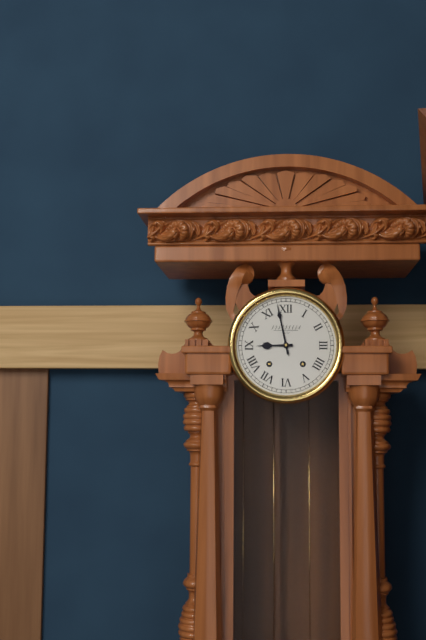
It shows {"hour": 8, "minute": 58}
